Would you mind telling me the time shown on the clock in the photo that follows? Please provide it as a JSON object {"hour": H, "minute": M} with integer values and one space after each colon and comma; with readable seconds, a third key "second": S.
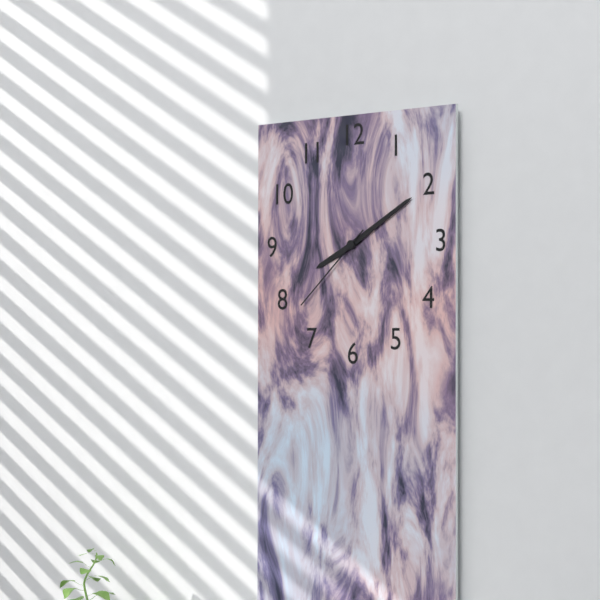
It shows {"hour": 8, "minute": 10, "second": 38}
